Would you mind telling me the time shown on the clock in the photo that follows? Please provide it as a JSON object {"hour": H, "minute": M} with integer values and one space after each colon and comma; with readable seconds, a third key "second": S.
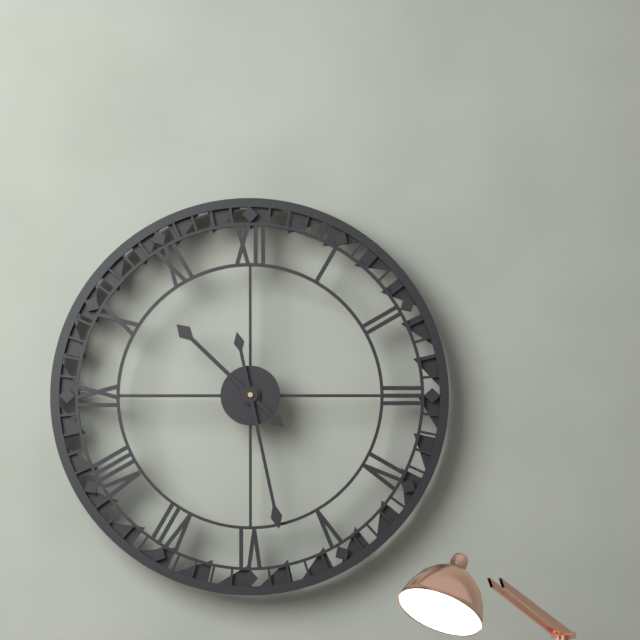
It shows {"hour": 10, "minute": 28}
